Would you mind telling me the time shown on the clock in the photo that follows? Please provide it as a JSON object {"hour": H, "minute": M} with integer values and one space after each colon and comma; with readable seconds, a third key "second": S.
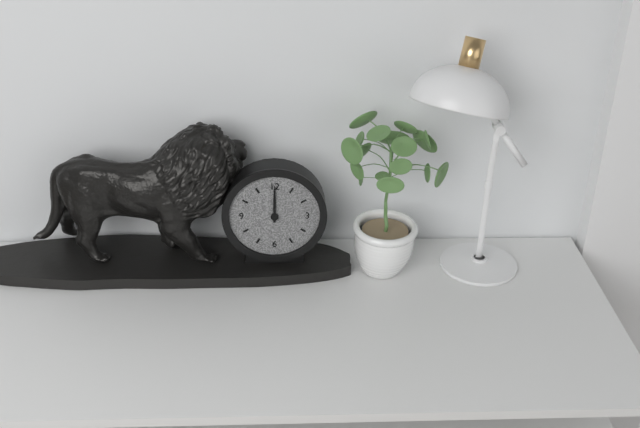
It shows {"hour": 12, "minute": 0}
